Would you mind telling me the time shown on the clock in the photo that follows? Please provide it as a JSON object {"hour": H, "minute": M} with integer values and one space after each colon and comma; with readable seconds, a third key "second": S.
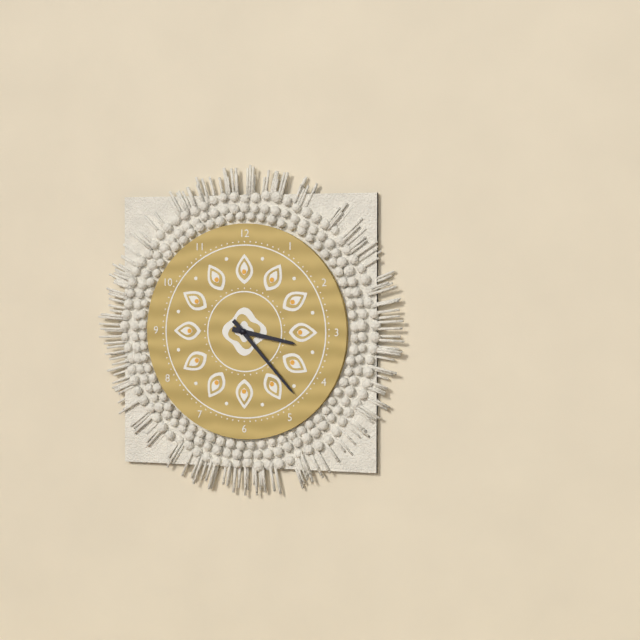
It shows {"hour": 3, "minute": 23}
